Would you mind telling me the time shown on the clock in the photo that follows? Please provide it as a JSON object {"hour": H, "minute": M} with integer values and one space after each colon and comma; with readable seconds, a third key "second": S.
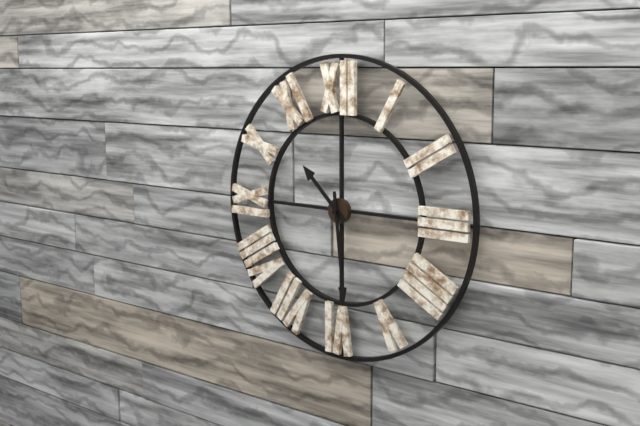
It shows {"hour": 10, "minute": 29}
